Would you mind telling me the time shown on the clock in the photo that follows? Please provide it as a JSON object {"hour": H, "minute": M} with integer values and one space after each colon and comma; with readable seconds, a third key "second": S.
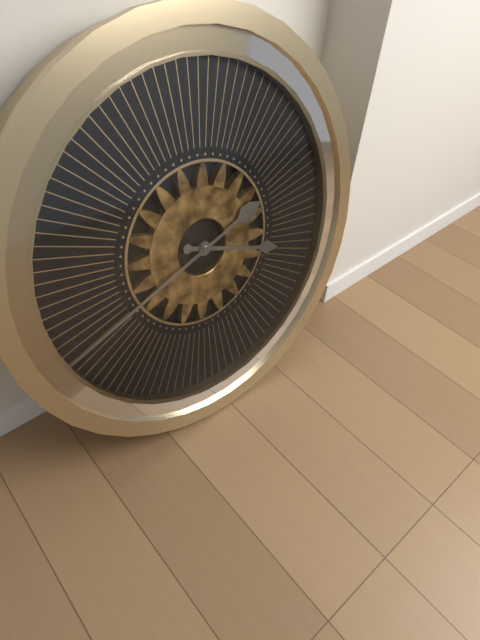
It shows {"hour": 3, "minute": 42}
